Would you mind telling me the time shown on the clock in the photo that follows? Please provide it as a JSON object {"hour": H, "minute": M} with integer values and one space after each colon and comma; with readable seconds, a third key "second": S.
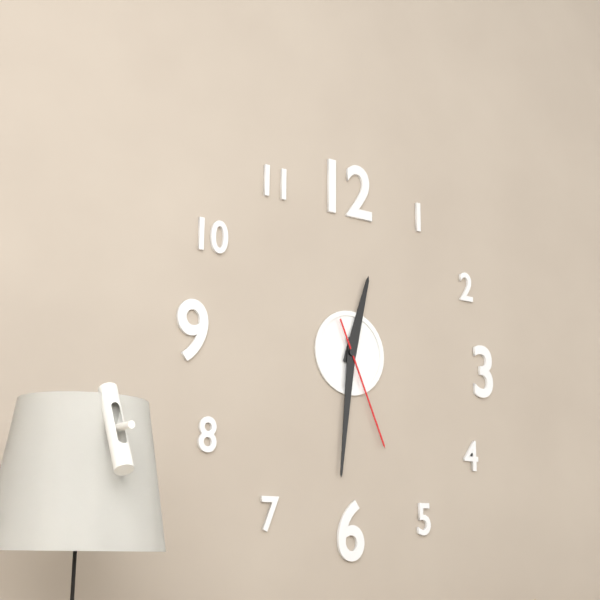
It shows {"hour": 12, "minute": 31, "second": 26}
